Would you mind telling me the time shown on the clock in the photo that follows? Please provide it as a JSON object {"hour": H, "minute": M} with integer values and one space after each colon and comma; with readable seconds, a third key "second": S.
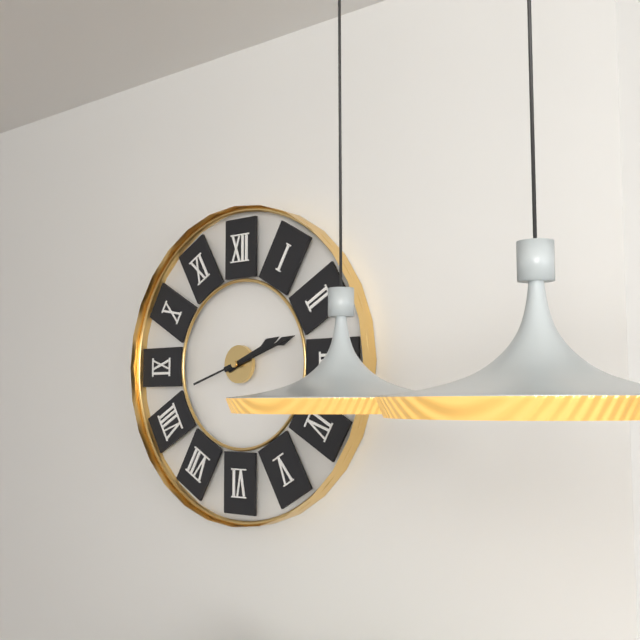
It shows {"hour": 2, "minute": 12, "second": 12}
